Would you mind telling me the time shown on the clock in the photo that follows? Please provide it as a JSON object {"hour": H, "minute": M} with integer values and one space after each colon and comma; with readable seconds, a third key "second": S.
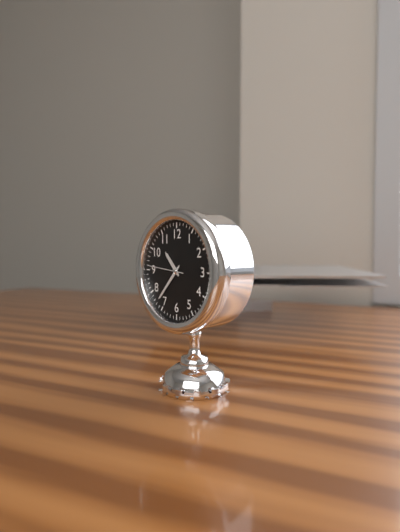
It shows {"hour": 10, "minute": 37}
